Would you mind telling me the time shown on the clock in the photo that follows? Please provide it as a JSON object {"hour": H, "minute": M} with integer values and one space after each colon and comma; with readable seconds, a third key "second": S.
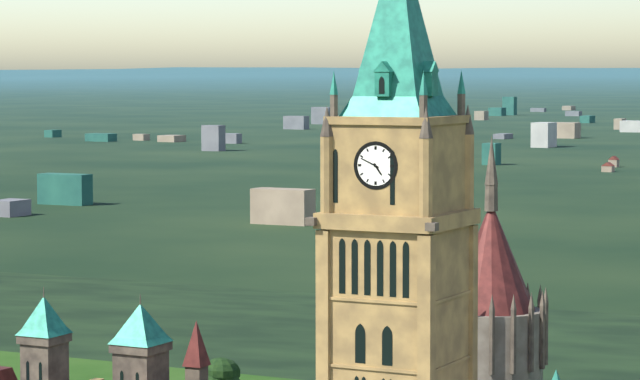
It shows {"hour": 4, "minute": 49}
